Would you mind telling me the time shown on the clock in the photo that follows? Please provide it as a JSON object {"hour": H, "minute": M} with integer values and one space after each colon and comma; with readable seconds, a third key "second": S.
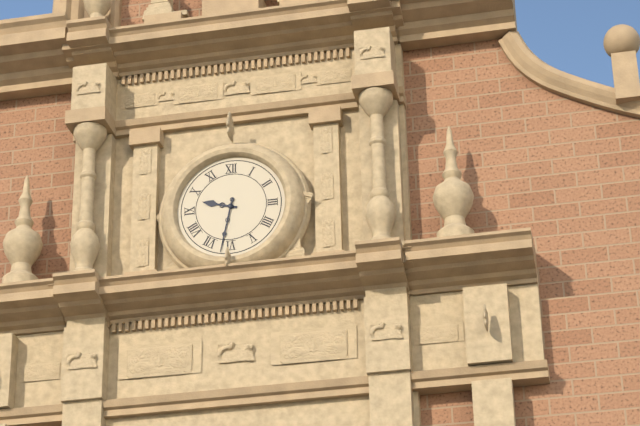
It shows {"hour": 9, "minute": 32}
